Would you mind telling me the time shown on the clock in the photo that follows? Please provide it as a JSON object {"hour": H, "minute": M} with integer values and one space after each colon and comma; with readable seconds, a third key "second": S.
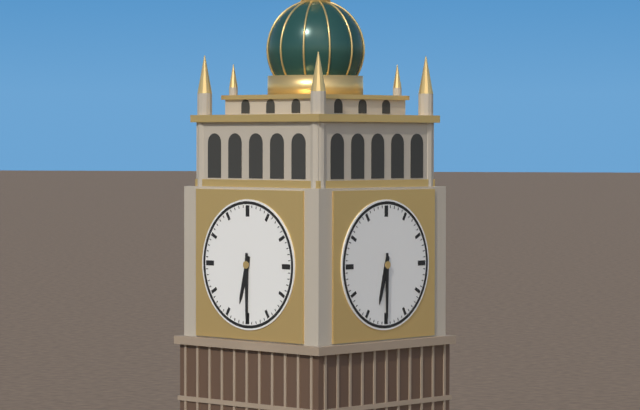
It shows {"hour": 6, "minute": 30}
